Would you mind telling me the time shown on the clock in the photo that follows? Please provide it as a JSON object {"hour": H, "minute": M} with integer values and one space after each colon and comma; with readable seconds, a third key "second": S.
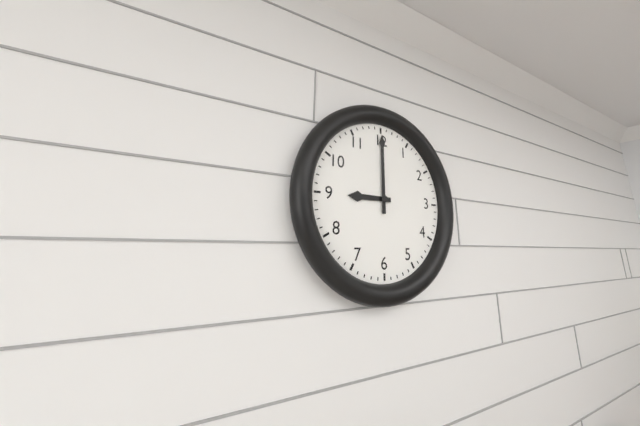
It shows {"hour": 9, "minute": 0}
